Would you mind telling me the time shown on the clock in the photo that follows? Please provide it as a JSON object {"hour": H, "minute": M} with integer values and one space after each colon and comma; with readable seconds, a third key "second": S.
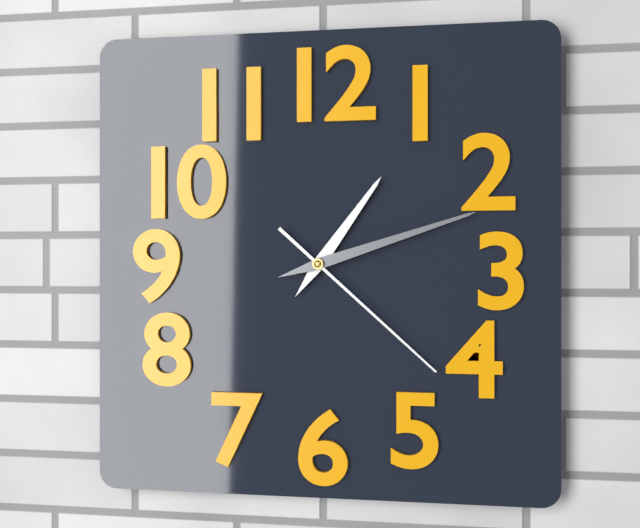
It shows {"hour": 1, "minute": 12, "second": 22}
